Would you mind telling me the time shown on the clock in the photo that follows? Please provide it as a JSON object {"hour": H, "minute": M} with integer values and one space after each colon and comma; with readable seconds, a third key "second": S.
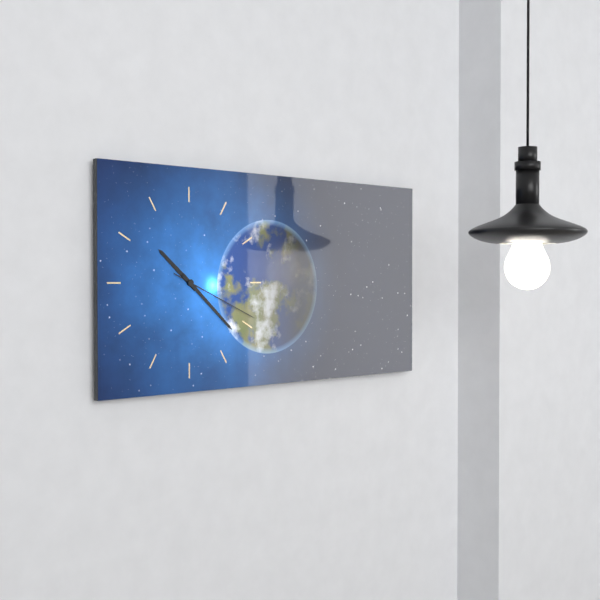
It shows {"hour": 10, "minute": 22, "second": 19}
